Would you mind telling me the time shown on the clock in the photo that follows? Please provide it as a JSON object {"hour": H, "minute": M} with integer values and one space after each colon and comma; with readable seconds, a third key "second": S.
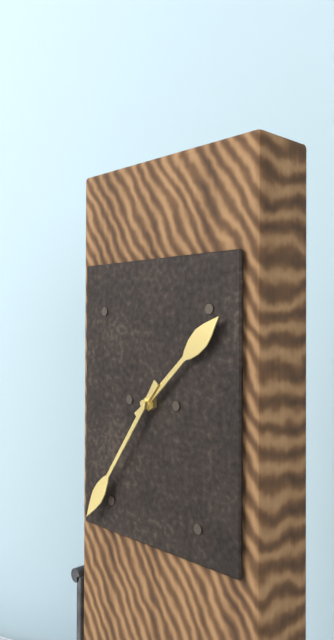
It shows {"hour": 1, "minute": 36}
